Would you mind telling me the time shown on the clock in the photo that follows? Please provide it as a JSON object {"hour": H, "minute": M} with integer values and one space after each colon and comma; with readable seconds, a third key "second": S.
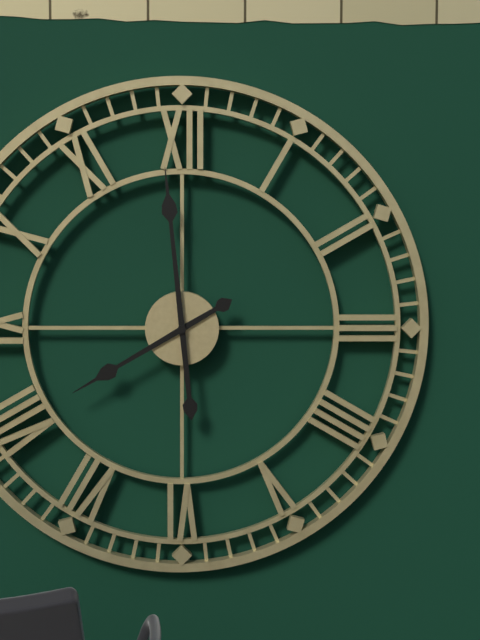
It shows {"hour": 7, "minute": 59}
